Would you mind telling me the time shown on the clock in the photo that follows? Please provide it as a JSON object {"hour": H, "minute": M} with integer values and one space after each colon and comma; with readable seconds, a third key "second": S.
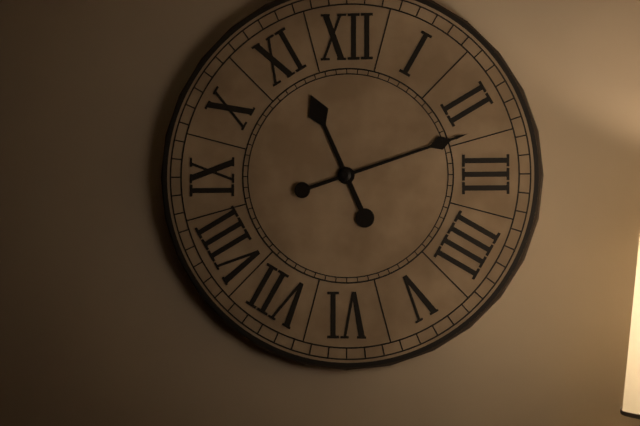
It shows {"hour": 11, "minute": 12}
